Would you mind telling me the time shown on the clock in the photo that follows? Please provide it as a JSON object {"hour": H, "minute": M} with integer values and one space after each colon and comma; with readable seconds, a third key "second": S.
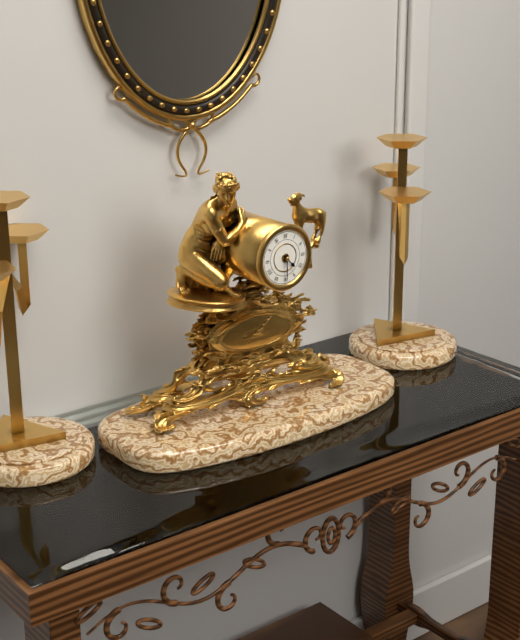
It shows {"hour": 4, "minute": 30}
